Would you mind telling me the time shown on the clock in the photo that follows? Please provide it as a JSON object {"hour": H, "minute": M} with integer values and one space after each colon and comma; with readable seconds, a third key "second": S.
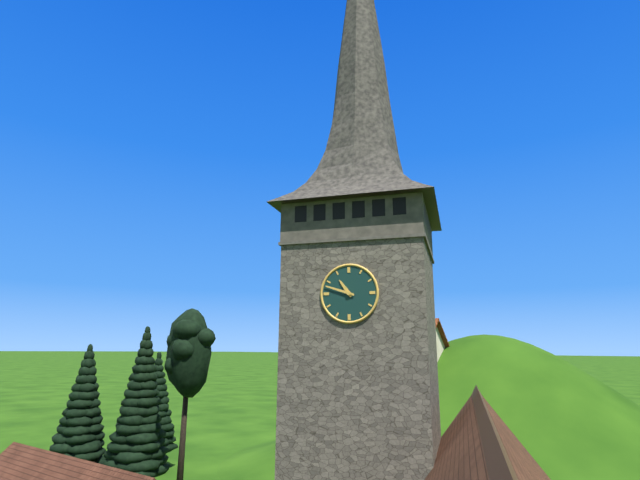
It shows {"hour": 10, "minute": 48}
